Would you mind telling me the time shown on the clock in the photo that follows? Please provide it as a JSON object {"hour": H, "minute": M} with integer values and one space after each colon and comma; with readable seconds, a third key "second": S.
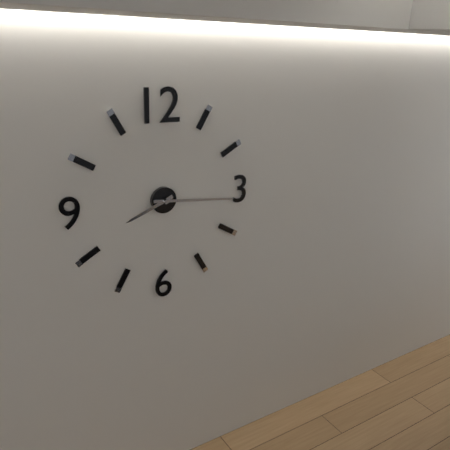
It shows {"hour": 8, "minute": 16}
